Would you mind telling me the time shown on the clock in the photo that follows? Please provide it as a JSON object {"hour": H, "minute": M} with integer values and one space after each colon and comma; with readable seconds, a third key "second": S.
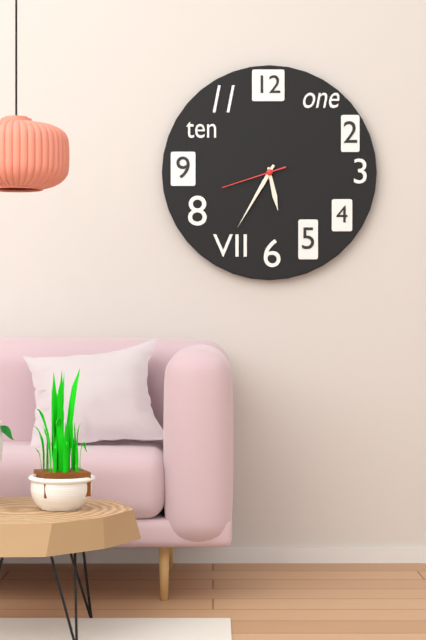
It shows {"hour": 5, "minute": 35, "second": 42}
